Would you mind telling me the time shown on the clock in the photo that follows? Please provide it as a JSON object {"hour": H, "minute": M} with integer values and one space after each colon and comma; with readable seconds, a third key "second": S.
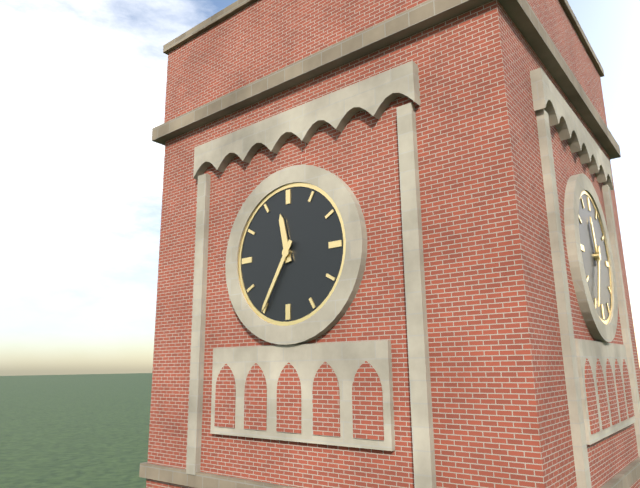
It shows {"hour": 11, "minute": 35}
